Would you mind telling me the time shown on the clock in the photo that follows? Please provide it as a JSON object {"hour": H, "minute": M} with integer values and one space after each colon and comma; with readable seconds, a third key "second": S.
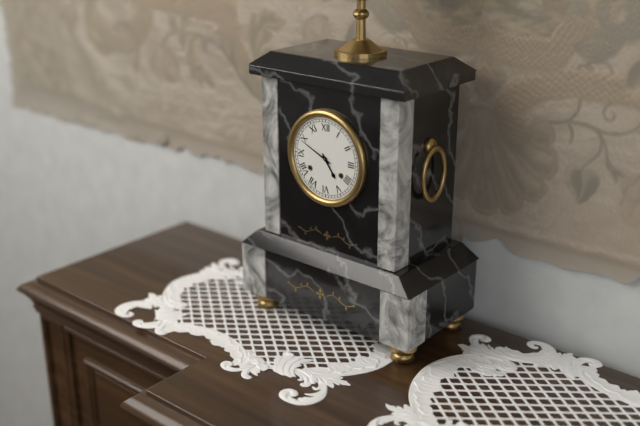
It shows {"hour": 4, "minute": 49}
